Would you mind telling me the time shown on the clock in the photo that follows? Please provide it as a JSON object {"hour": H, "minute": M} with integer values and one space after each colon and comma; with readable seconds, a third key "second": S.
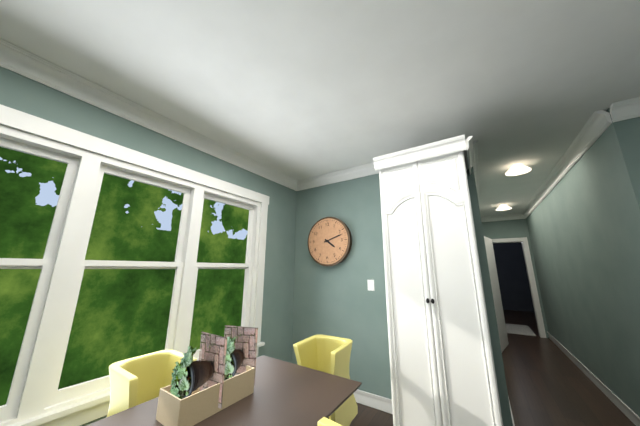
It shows {"hour": 4, "minute": 12}
